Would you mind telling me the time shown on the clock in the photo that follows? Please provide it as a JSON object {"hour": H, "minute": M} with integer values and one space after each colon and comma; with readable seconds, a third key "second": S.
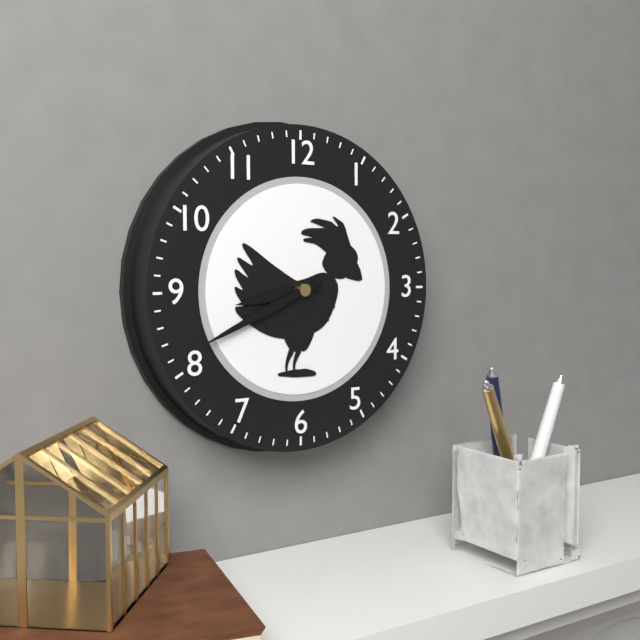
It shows {"hour": 8, "minute": 41}
